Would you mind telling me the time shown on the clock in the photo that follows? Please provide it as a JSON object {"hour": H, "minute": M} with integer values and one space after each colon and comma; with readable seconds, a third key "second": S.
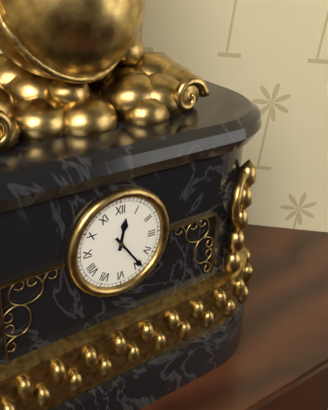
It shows {"hour": 12, "minute": 24}
